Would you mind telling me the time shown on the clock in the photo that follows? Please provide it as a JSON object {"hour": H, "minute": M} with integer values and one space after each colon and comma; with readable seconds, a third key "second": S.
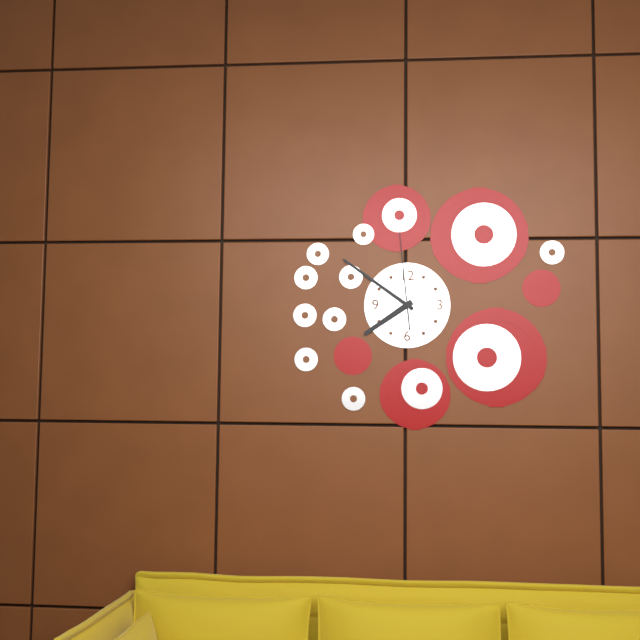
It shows {"hour": 7, "minute": 51, "second": 59}
